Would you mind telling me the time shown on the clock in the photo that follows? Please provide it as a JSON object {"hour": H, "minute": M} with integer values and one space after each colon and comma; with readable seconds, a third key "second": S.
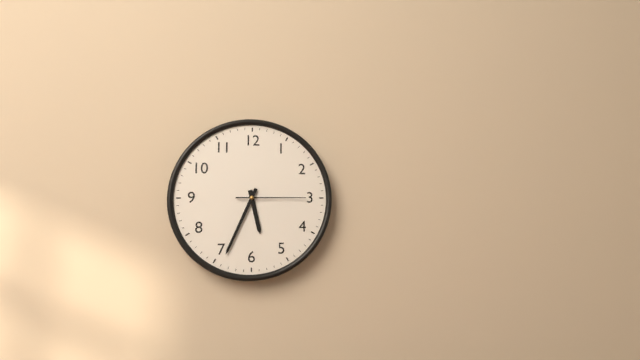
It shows {"hour": 5, "minute": 34, "second": 15}
